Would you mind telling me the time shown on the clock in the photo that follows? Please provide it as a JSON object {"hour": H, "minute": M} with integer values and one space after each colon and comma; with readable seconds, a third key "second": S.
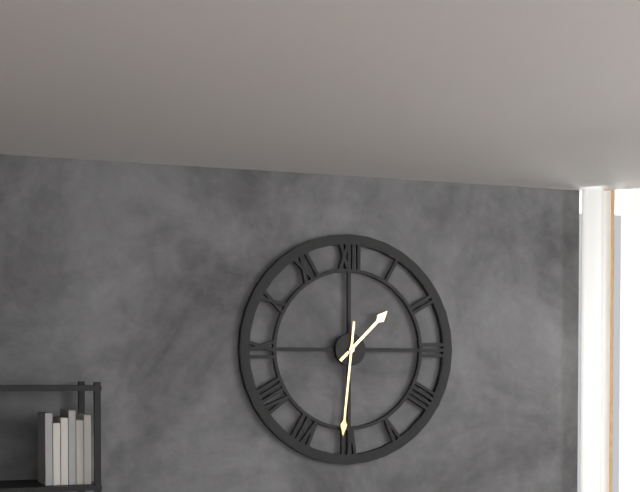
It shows {"hour": 1, "minute": 31}
